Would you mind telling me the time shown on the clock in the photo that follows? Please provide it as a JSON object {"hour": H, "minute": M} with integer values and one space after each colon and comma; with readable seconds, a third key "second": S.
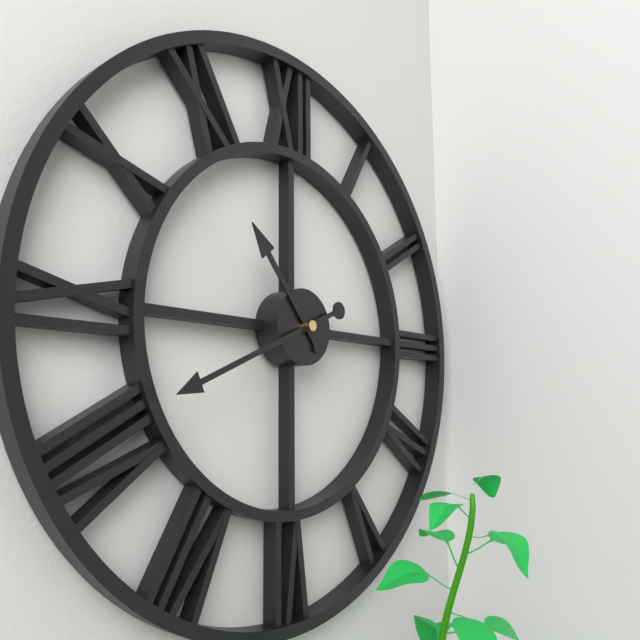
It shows {"hour": 10, "minute": 41}
